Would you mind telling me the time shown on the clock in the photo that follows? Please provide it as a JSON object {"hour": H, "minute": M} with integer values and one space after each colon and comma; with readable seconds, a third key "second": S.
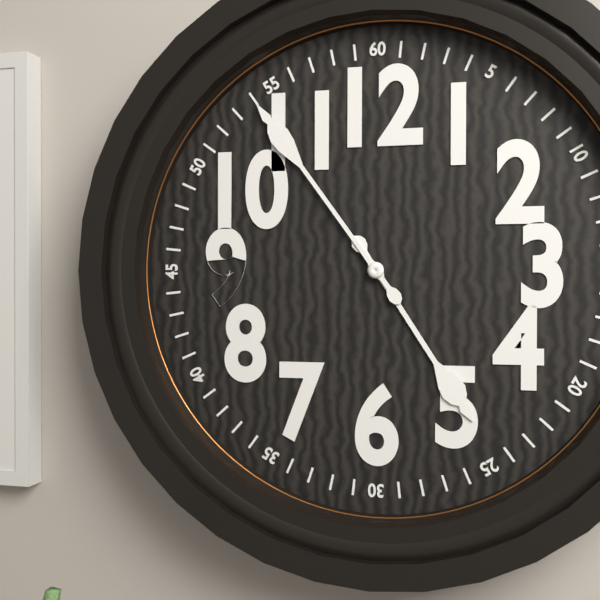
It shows {"hour": 4, "minute": 54}
